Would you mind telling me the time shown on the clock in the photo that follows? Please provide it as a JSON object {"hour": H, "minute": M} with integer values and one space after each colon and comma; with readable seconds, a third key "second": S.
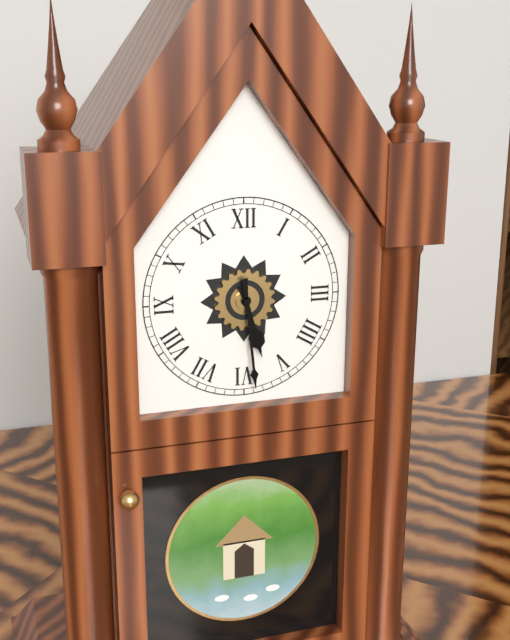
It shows {"hour": 5, "minute": 29}
